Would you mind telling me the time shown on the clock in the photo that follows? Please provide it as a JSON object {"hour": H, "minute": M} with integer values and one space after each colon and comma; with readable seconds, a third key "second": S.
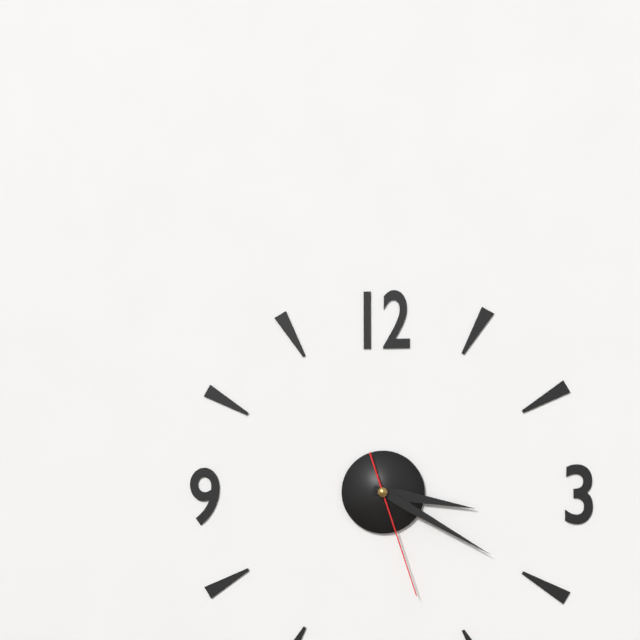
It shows {"hour": 3, "minute": 20, "second": 27}
